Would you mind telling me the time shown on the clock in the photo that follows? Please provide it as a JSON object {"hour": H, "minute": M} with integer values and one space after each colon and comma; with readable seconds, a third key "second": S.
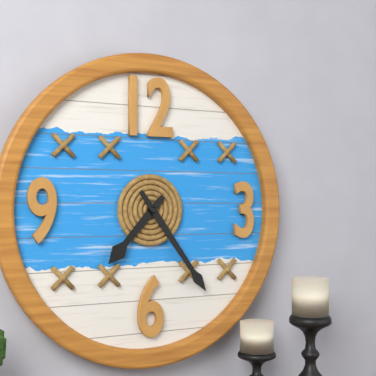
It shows {"hour": 7, "minute": 24}
